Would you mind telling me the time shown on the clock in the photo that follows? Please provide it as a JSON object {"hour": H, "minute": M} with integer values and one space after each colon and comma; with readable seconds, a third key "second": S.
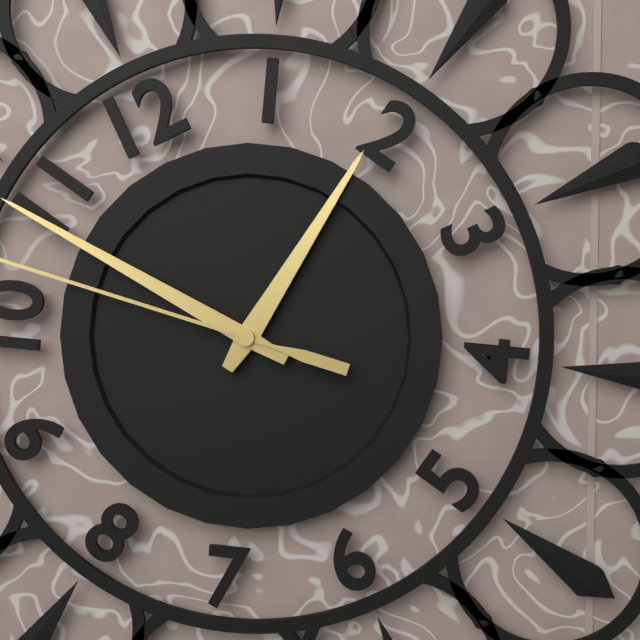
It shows {"hour": 1, "minute": 54}
